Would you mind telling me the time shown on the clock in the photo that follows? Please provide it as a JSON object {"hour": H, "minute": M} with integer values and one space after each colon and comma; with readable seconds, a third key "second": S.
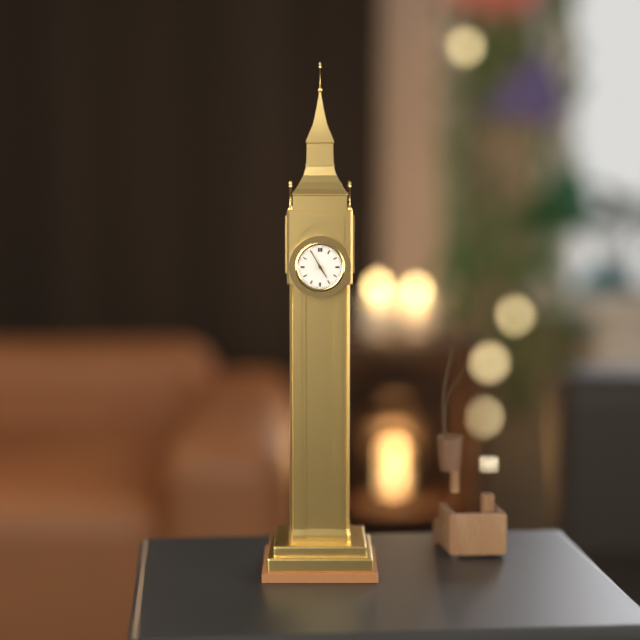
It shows {"hour": 4, "minute": 55}
